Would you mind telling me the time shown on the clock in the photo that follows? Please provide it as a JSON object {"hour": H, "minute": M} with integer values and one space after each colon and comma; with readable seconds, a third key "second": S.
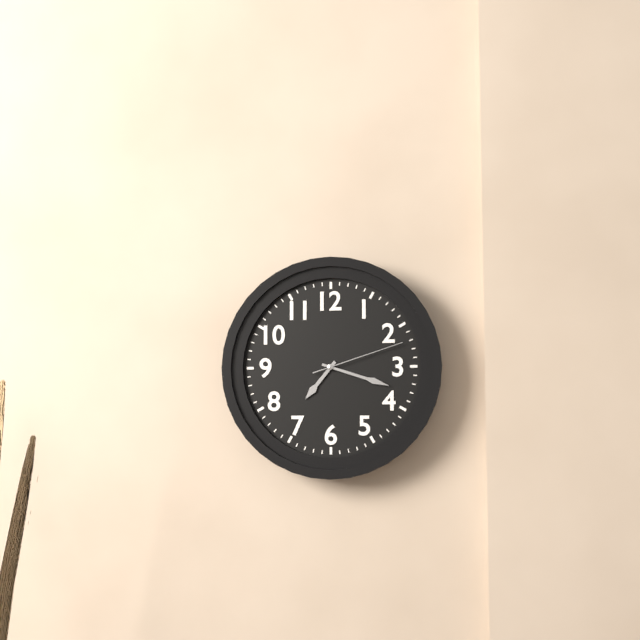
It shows {"hour": 7, "minute": 18, "second": 12}
